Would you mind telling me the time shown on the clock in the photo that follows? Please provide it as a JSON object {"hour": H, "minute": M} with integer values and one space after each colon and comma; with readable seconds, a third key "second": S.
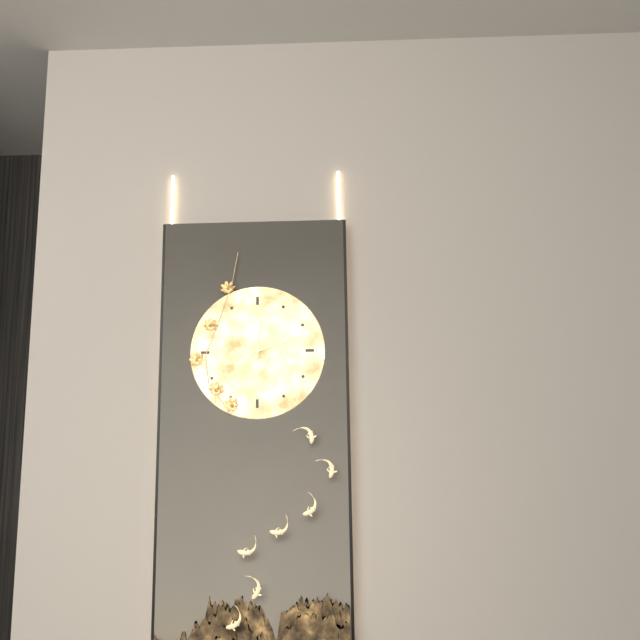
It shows {"hour": 12, "minute": 12}
